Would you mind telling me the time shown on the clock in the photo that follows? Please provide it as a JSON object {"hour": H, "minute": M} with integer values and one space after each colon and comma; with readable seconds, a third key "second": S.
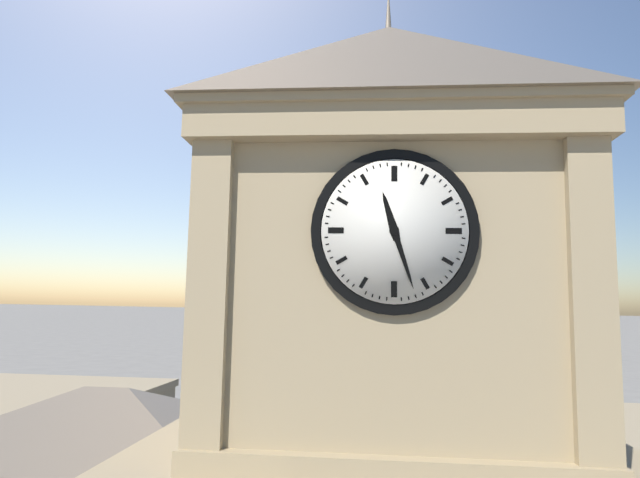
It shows {"hour": 11, "minute": 27}
